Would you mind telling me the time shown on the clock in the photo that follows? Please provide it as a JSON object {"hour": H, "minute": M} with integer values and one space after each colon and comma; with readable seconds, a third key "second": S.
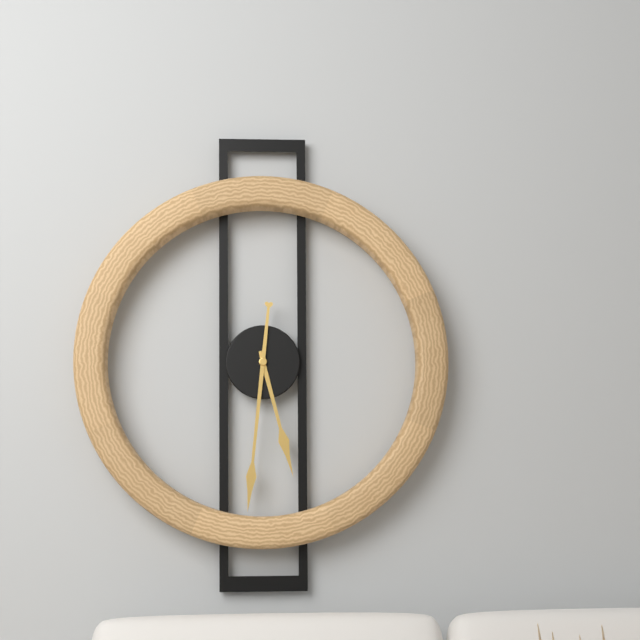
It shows {"hour": 5, "minute": 31}
